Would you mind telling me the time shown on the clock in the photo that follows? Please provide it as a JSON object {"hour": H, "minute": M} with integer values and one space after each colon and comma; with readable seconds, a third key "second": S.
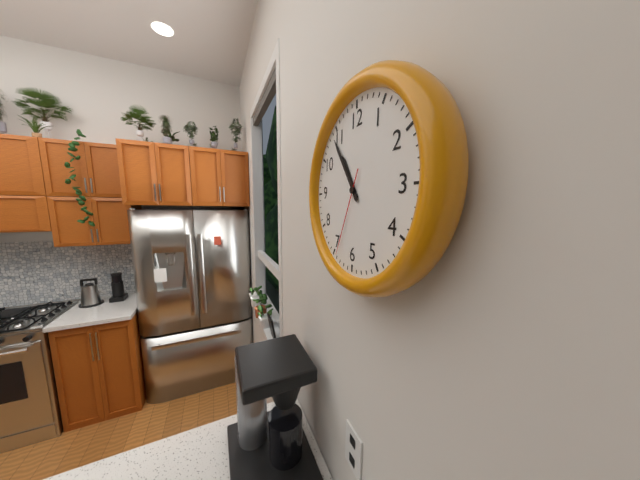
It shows {"hour": 10, "minute": 54, "second": 34}
